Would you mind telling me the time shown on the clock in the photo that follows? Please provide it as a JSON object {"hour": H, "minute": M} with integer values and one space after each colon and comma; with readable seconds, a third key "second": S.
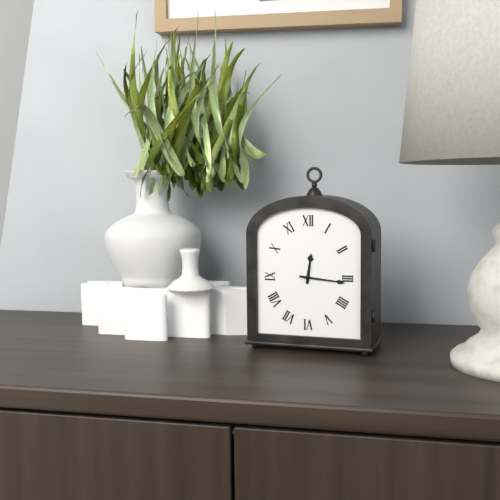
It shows {"hour": 12, "minute": 16}
